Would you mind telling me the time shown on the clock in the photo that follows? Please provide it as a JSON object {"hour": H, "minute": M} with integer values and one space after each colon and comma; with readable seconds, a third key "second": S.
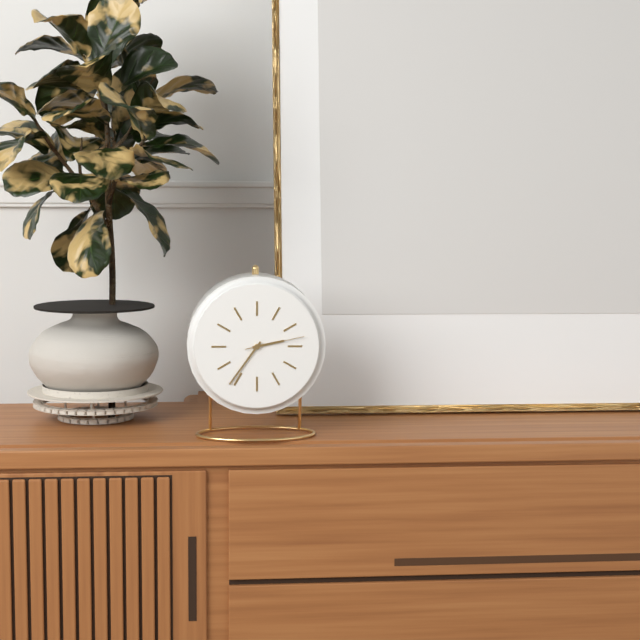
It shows {"hour": 2, "minute": 36, "second": 13}
